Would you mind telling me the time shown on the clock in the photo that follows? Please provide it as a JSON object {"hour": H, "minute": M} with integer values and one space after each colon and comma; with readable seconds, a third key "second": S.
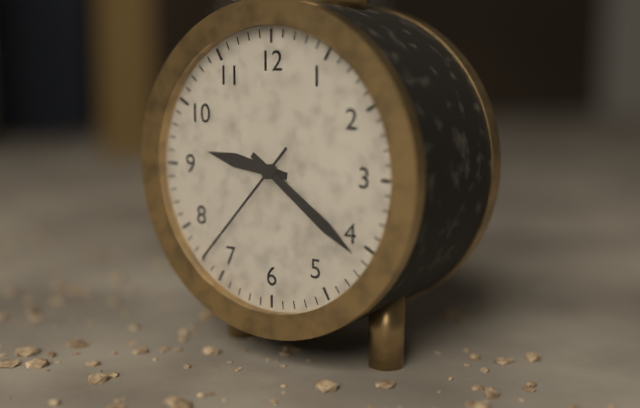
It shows {"hour": 9, "minute": 21, "second": 37}
